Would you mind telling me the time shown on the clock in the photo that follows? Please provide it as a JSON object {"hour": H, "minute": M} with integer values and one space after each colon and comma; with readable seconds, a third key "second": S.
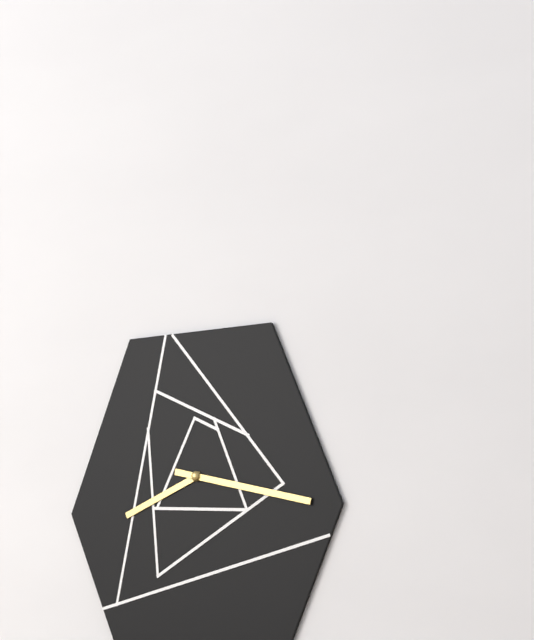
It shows {"hour": 8, "minute": 17}
